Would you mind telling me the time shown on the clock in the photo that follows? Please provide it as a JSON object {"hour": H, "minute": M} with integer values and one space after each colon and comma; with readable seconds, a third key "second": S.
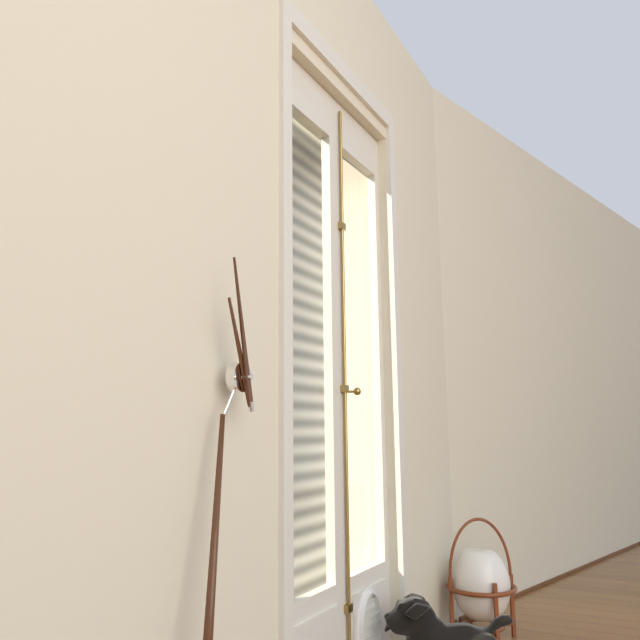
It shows {"hour": 10, "minute": 56}
